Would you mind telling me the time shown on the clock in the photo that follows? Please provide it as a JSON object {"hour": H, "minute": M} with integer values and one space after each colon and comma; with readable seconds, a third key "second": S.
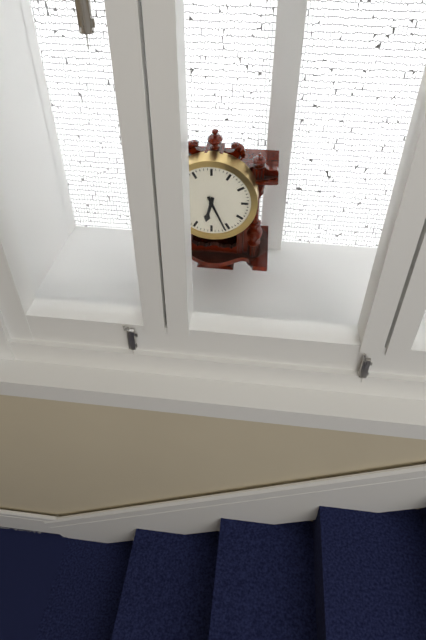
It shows {"hour": 6, "minute": 26}
